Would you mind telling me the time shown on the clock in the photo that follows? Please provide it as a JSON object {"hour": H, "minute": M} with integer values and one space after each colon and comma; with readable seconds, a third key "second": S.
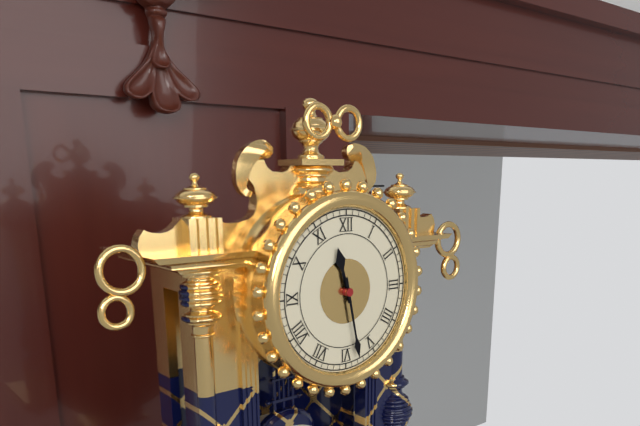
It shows {"hour": 11, "minute": 28}
